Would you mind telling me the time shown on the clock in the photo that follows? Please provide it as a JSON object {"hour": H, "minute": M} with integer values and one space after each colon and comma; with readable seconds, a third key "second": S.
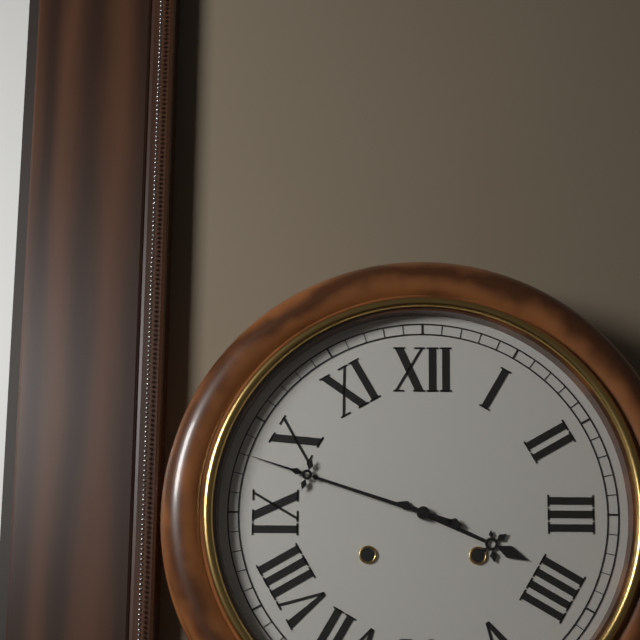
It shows {"hour": 3, "minute": 48}
